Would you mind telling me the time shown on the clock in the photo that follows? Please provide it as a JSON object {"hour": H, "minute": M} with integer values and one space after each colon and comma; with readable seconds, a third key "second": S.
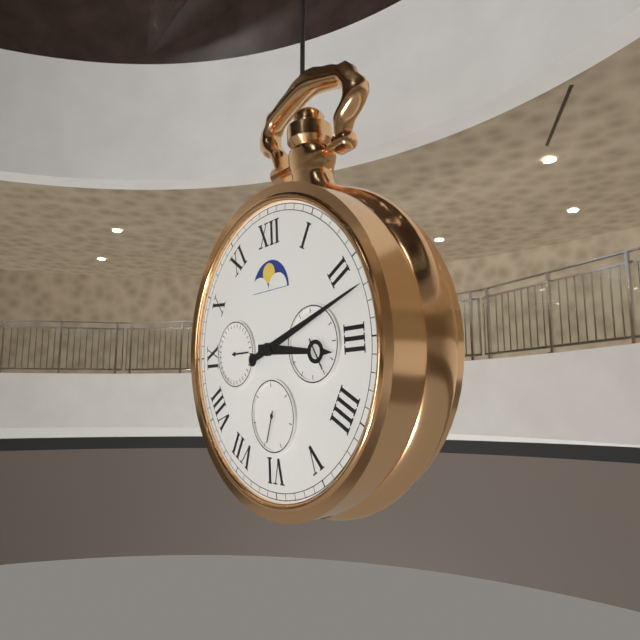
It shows {"hour": 3, "minute": 12}
